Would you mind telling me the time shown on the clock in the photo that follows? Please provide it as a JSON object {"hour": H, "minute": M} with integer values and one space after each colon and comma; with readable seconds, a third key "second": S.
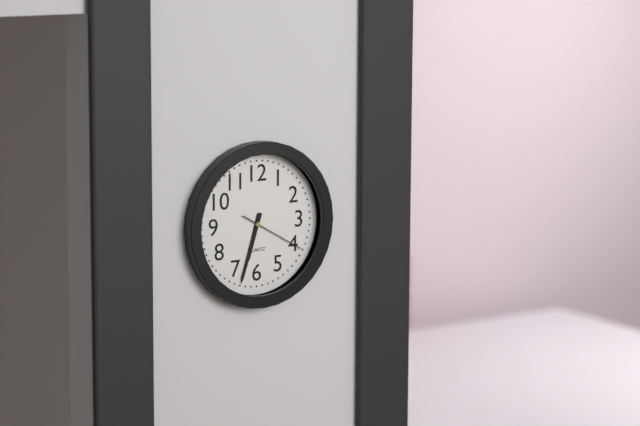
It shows {"hour": 6, "minute": 33, "second": 20}
